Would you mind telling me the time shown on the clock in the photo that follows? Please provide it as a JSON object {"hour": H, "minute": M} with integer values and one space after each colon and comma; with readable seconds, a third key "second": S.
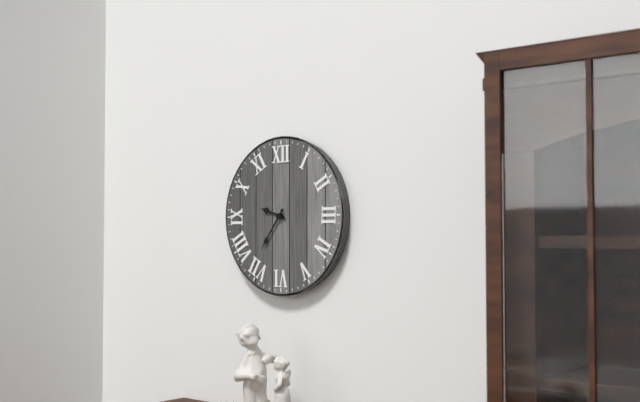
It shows {"hour": 9, "minute": 36}
